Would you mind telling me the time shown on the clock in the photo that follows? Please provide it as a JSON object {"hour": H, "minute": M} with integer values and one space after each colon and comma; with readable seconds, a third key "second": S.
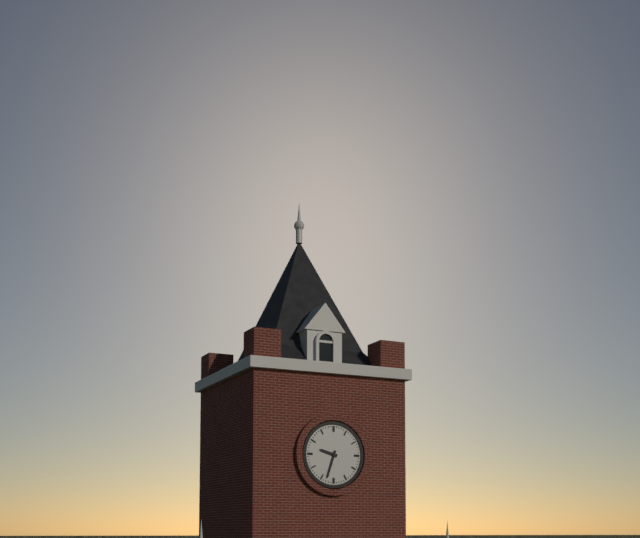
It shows {"hour": 9, "minute": 33}
